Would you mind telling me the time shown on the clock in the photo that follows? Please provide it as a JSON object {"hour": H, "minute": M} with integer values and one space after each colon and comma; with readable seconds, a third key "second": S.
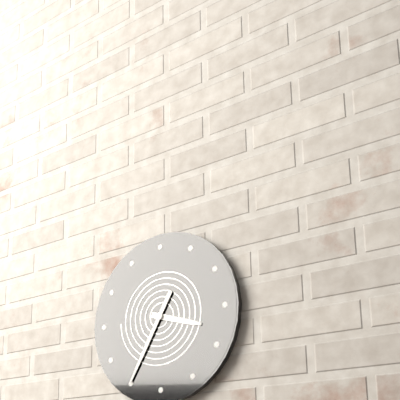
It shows {"hour": 3, "minute": 35}
